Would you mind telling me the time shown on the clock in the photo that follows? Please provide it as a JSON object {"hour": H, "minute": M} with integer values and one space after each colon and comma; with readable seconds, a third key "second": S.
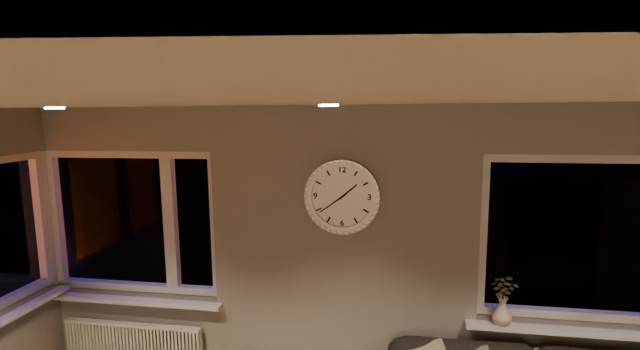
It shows {"hour": 1, "minute": 39}
